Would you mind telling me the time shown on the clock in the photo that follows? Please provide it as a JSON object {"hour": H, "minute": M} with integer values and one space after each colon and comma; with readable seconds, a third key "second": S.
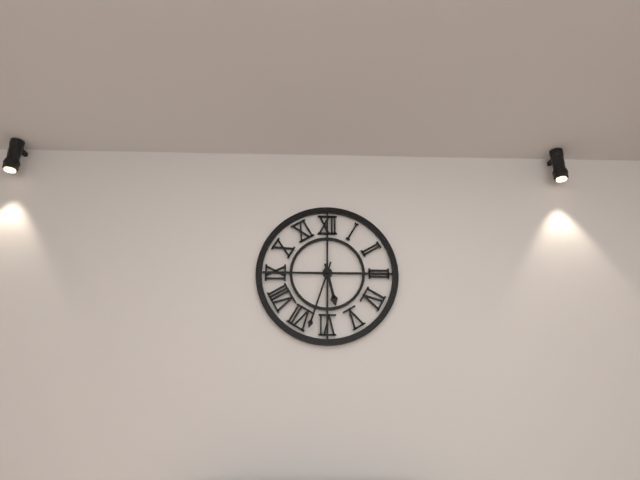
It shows {"hour": 5, "minute": 33}
